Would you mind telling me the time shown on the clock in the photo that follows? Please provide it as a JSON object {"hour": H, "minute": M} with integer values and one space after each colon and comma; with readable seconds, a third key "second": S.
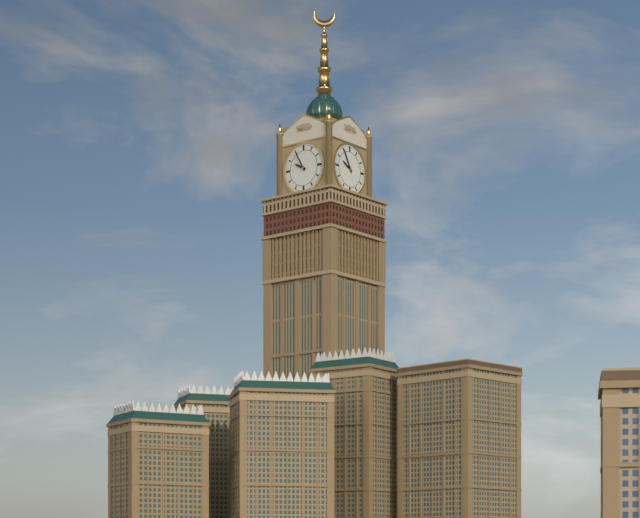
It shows {"hour": 9, "minute": 55}
